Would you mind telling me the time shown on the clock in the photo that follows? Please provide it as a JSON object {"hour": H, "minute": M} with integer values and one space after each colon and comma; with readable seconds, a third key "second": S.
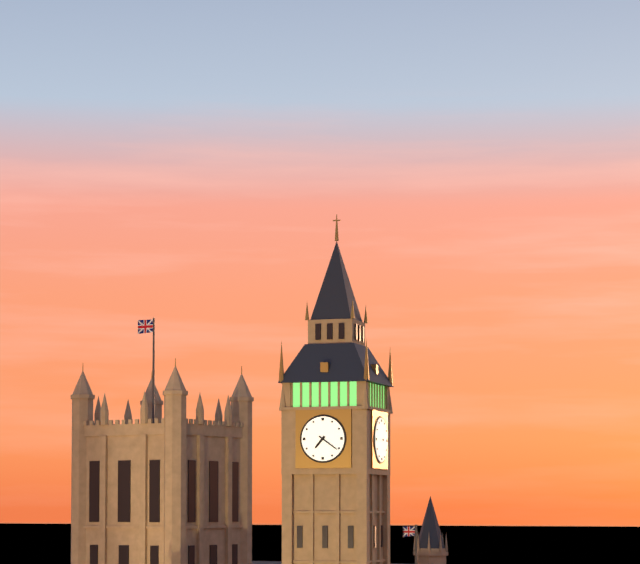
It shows {"hour": 7, "minute": 21}
